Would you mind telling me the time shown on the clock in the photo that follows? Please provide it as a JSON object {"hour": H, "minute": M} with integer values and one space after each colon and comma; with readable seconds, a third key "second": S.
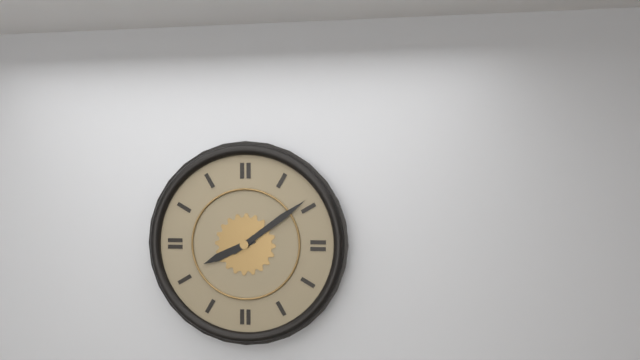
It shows {"hour": 8, "minute": 9}
